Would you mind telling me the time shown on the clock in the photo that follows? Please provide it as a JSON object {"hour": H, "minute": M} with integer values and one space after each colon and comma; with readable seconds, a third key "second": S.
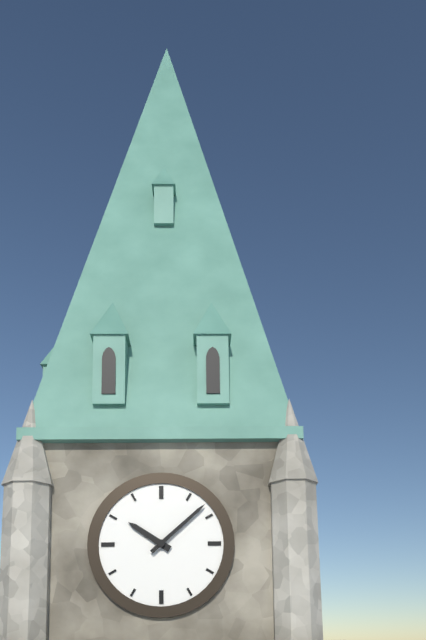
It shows {"hour": 10, "minute": 8}
